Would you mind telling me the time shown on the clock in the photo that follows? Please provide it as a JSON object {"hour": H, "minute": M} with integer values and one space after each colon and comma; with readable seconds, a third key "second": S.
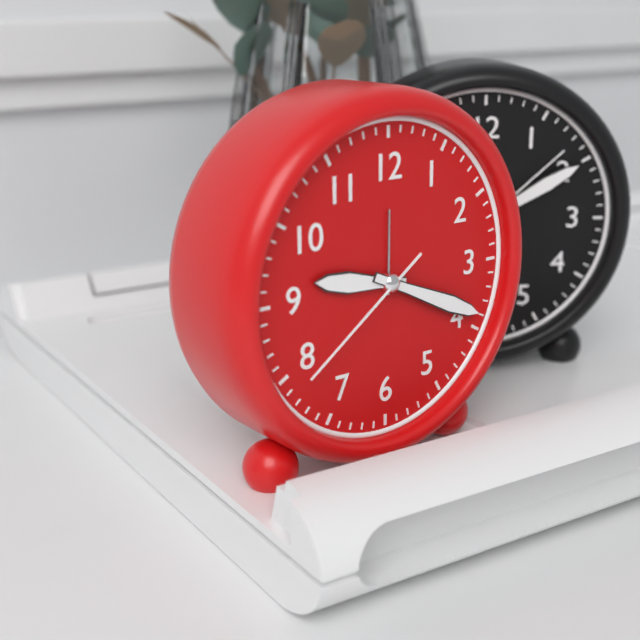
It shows {"hour": 9, "minute": 19, "second": 39}
